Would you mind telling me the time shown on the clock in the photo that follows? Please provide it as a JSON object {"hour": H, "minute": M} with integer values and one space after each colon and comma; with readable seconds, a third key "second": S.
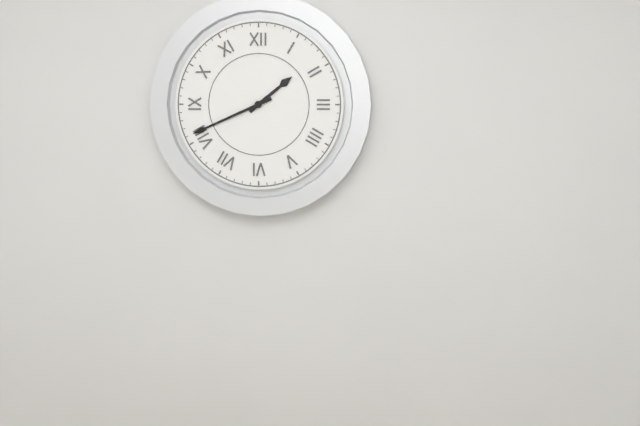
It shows {"hour": 1, "minute": 41}
